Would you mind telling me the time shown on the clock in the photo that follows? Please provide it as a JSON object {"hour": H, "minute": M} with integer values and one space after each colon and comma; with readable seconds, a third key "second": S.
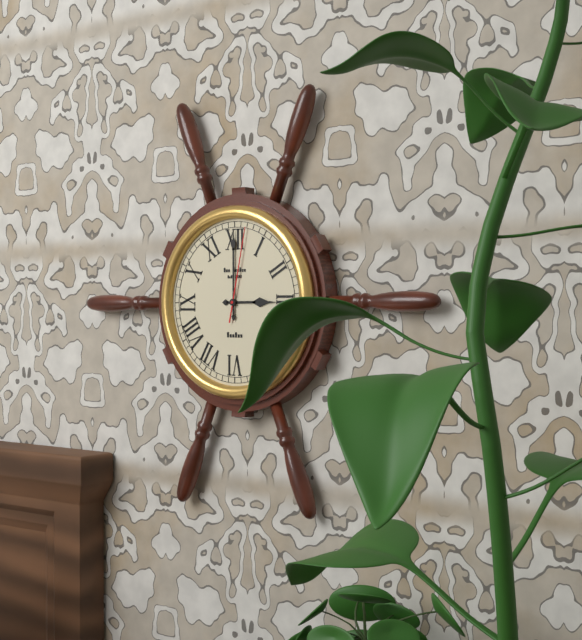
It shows {"hour": 3, "minute": 0, "second": 2}
